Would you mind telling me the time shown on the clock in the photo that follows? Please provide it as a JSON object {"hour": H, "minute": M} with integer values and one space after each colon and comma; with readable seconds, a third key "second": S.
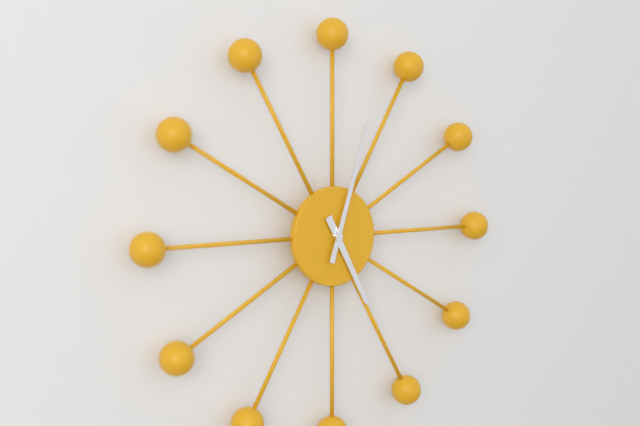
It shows {"hour": 5, "minute": 3}
